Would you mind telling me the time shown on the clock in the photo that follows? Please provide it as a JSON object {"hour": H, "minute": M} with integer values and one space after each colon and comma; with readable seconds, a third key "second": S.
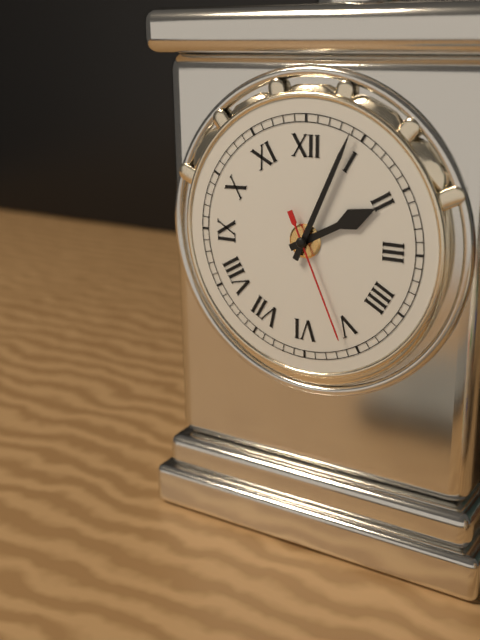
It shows {"hour": 2, "minute": 4, "second": 26}
